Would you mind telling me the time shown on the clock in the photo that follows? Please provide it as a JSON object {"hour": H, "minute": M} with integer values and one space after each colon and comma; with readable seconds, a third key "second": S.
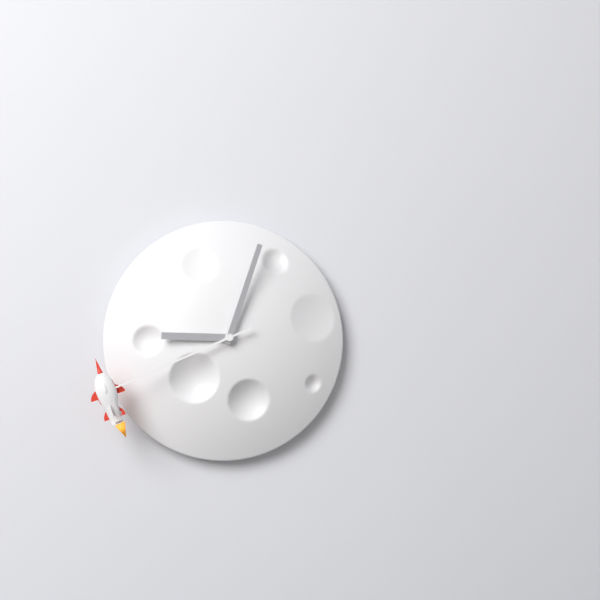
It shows {"hour": 9, "minute": 3, "second": 41}
